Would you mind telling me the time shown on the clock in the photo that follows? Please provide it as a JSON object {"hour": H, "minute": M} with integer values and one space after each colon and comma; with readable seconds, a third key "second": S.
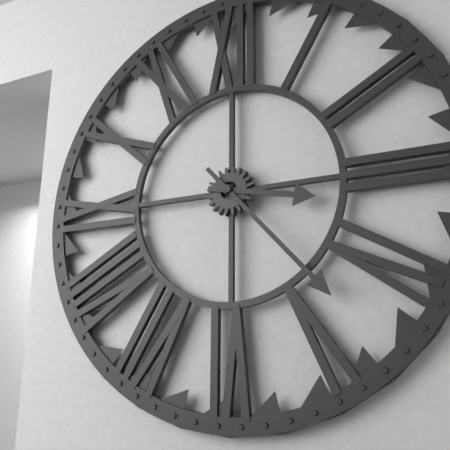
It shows {"hour": 3, "minute": 23}
